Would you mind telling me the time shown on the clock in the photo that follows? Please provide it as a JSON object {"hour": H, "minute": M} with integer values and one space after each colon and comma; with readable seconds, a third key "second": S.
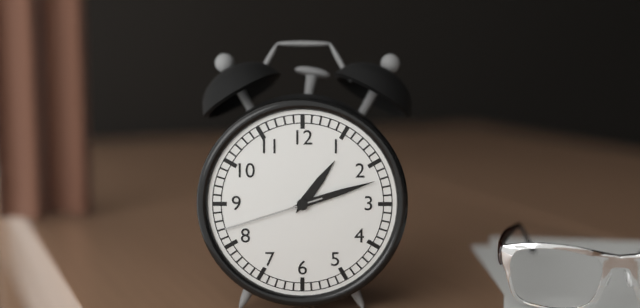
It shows {"hour": 1, "minute": 12, "second": 42}
